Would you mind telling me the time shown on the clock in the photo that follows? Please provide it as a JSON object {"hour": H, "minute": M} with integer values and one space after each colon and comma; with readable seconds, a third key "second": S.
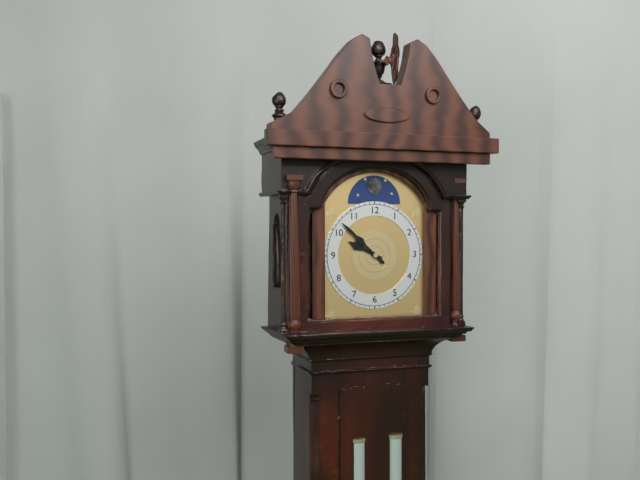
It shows {"hour": 9, "minute": 52}
